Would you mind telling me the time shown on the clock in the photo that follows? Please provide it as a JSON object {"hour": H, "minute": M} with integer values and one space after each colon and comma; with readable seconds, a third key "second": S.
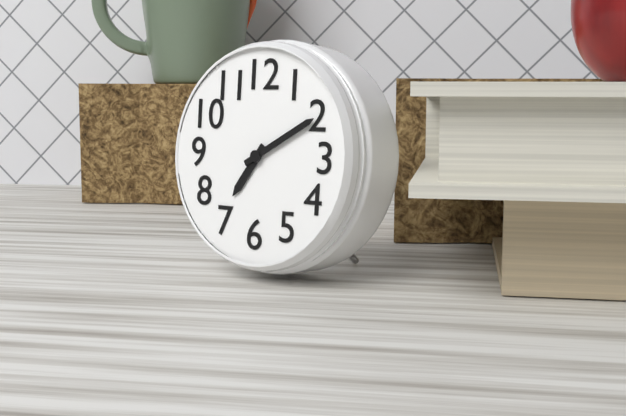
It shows {"hour": 7, "minute": 10}
